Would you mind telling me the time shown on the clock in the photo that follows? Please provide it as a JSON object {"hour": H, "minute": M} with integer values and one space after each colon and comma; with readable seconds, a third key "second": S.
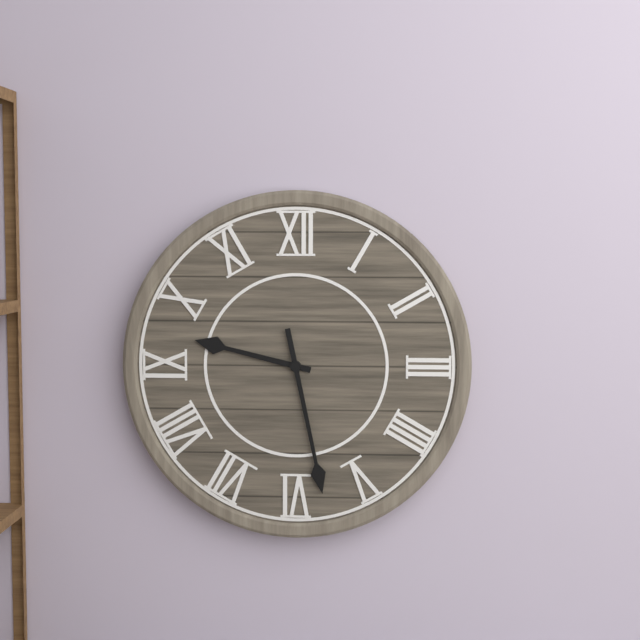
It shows {"hour": 9, "minute": 28}
